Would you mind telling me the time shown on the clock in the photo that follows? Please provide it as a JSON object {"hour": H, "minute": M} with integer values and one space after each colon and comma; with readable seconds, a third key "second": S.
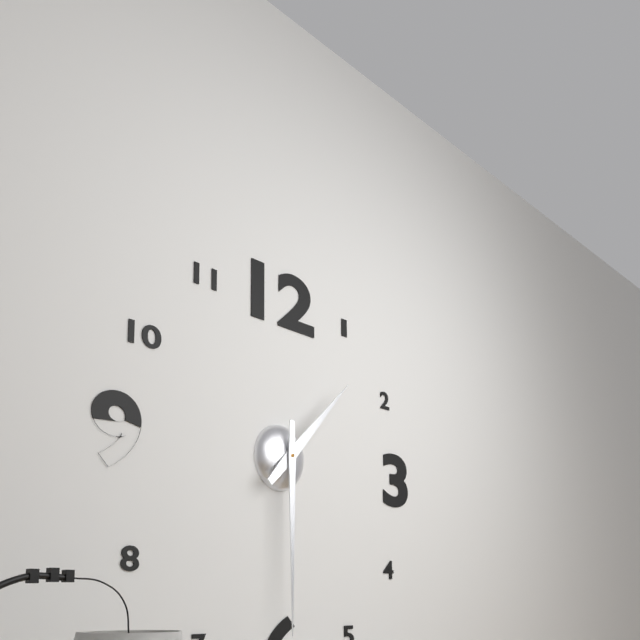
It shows {"hour": 1, "minute": 30}
